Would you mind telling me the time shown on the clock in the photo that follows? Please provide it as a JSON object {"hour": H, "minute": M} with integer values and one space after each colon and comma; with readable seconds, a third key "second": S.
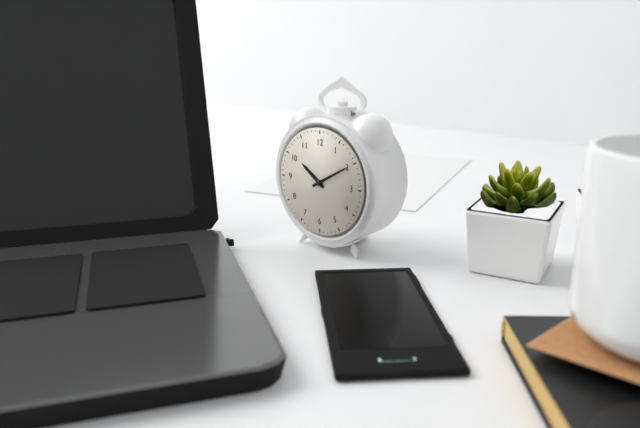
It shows {"hour": 10, "minute": 10}
